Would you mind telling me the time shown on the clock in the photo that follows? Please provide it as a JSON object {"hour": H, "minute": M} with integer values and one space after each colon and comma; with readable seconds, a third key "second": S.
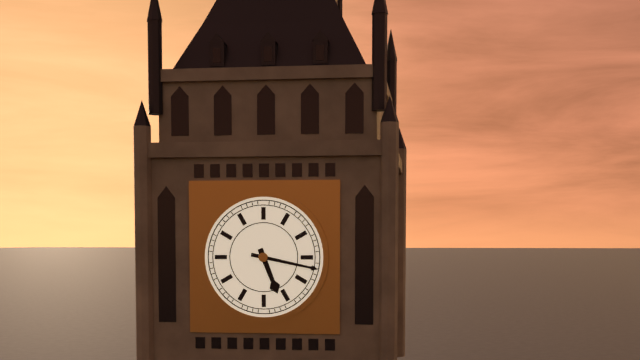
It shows {"hour": 5, "minute": 17}
